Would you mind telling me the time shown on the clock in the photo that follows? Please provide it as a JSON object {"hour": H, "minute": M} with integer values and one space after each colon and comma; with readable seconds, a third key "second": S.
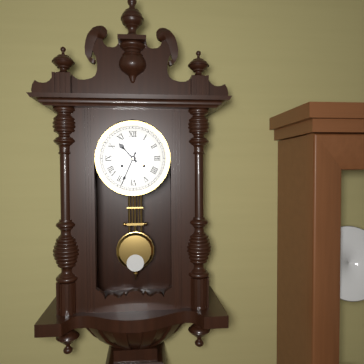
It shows {"hour": 10, "minute": 34}
